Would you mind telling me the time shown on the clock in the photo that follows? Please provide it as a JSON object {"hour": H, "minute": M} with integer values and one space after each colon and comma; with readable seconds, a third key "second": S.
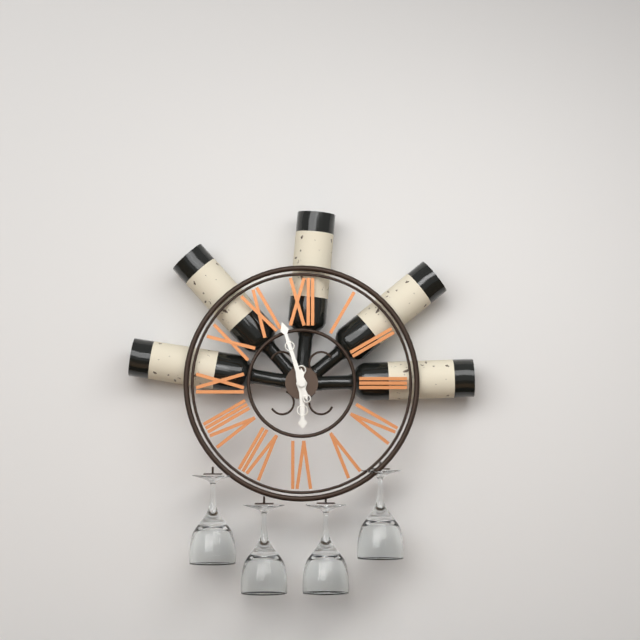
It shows {"hour": 5, "minute": 57}
